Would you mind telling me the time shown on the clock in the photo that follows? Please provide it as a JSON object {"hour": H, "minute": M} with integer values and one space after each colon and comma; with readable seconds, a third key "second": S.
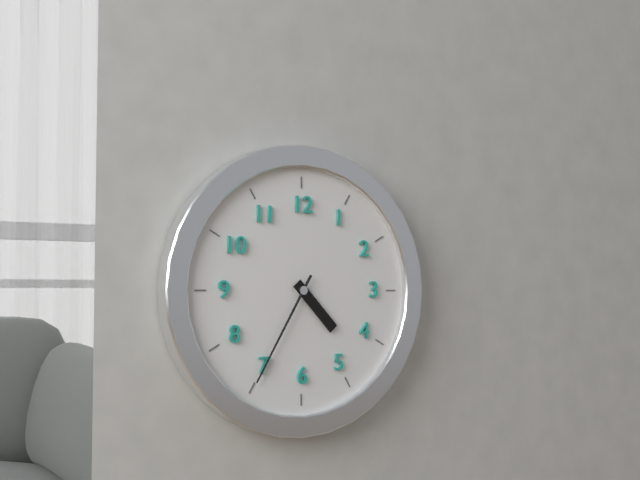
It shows {"hour": 4, "minute": 35}
